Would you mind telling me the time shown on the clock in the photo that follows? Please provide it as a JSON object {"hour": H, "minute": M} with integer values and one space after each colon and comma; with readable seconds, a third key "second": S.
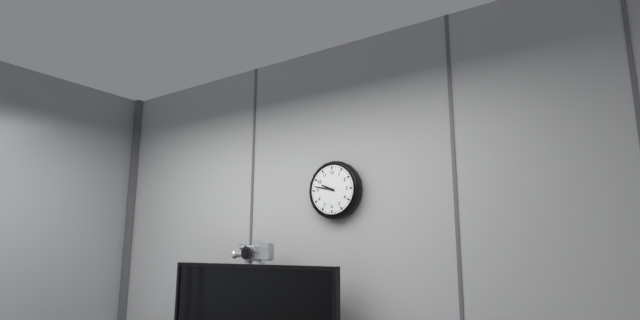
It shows {"hour": 9, "minute": 47}
